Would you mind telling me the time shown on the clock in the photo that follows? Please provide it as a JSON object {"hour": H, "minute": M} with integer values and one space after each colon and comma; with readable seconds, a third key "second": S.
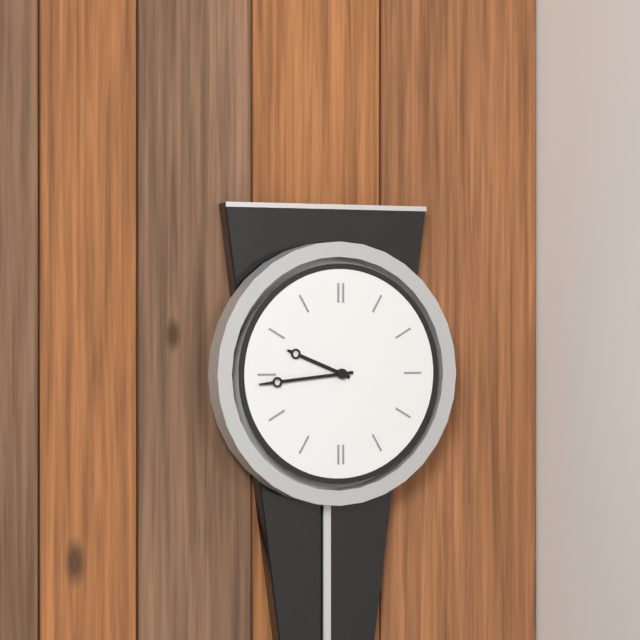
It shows {"hour": 9, "minute": 44}
